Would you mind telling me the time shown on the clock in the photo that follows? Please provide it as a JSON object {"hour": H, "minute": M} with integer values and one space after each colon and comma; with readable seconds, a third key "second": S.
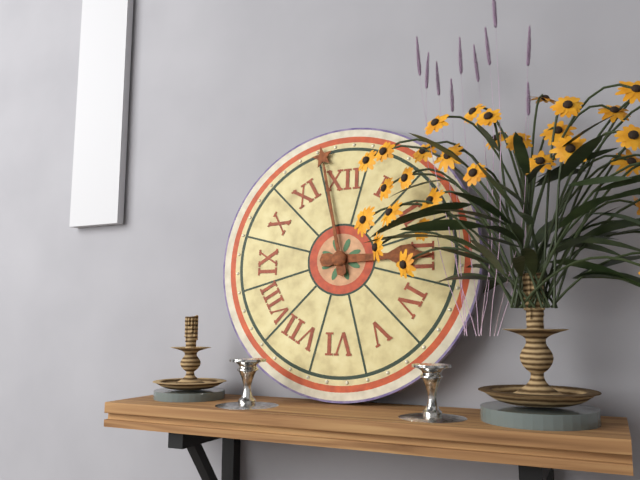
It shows {"hour": 2, "minute": 58}
